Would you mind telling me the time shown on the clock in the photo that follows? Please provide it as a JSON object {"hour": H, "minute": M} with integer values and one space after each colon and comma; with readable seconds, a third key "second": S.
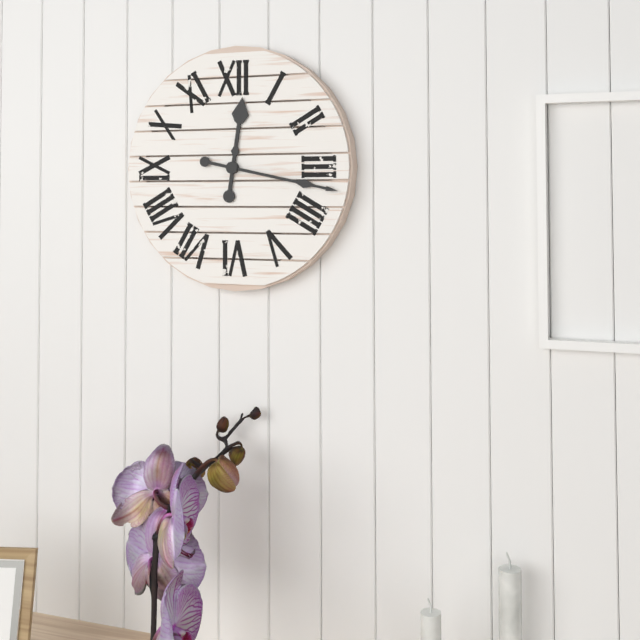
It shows {"hour": 12, "minute": 17}
